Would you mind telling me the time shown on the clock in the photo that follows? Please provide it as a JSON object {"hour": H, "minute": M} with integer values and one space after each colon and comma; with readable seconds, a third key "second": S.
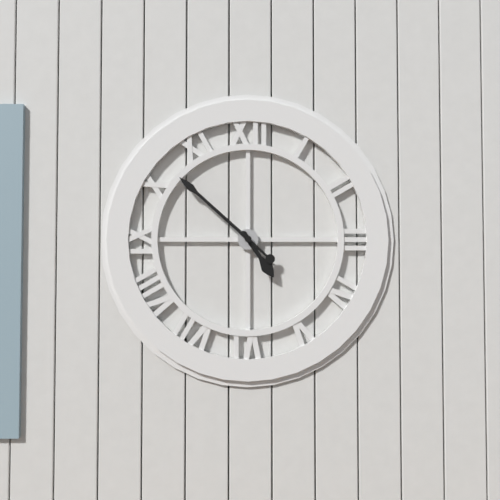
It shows {"hour": 4, "minute": 52}
